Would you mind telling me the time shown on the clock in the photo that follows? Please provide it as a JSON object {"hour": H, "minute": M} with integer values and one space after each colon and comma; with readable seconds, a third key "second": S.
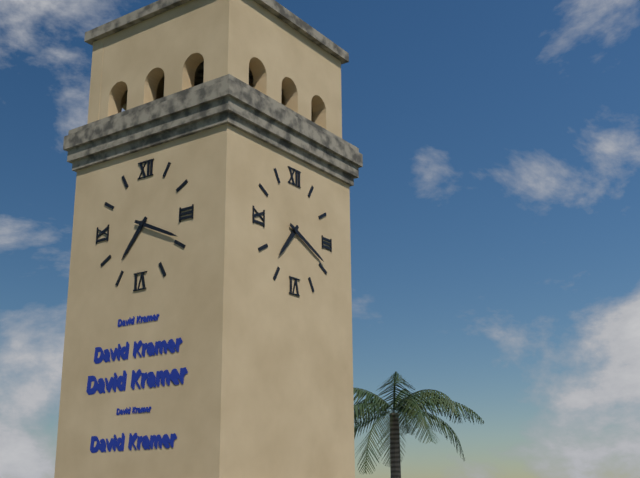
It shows {"hour": 7, "minute": 19}
